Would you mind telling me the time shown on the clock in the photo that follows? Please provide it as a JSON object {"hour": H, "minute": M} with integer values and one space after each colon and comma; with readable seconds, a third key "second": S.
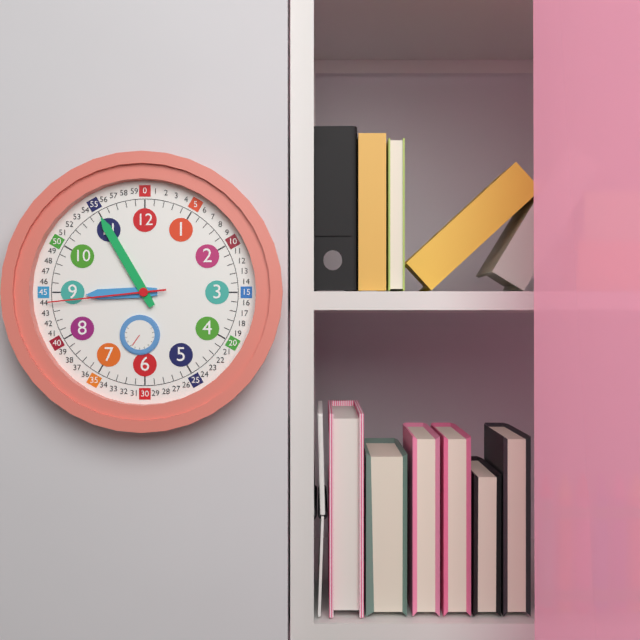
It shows {"hour": 8, "minute": 55, "second": 44}
